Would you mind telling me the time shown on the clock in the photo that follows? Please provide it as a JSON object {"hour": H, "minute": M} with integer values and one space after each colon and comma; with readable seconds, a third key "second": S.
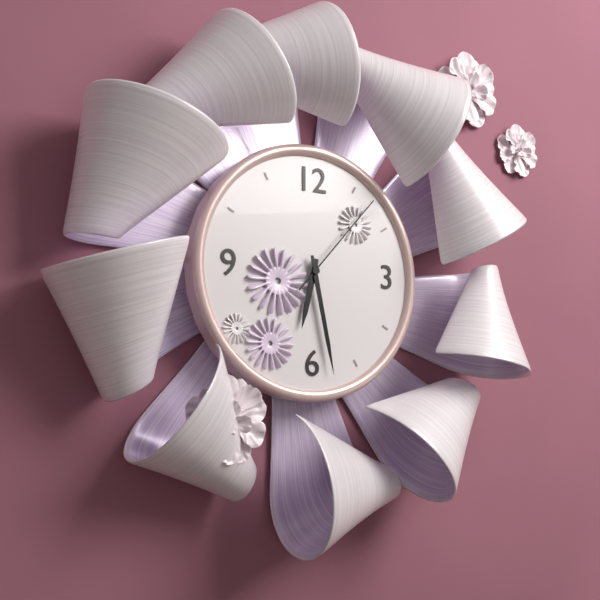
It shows {"hour": 6, "minute": 28, "second": 7}
